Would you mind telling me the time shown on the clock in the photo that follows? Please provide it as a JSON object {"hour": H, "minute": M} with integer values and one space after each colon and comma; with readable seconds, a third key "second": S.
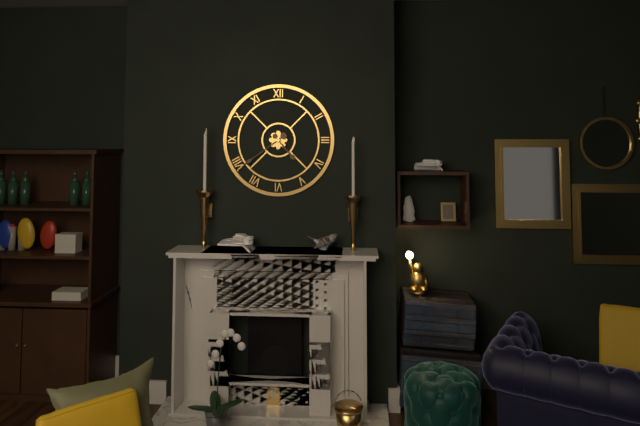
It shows {"hour": 4, "minute": 39}
